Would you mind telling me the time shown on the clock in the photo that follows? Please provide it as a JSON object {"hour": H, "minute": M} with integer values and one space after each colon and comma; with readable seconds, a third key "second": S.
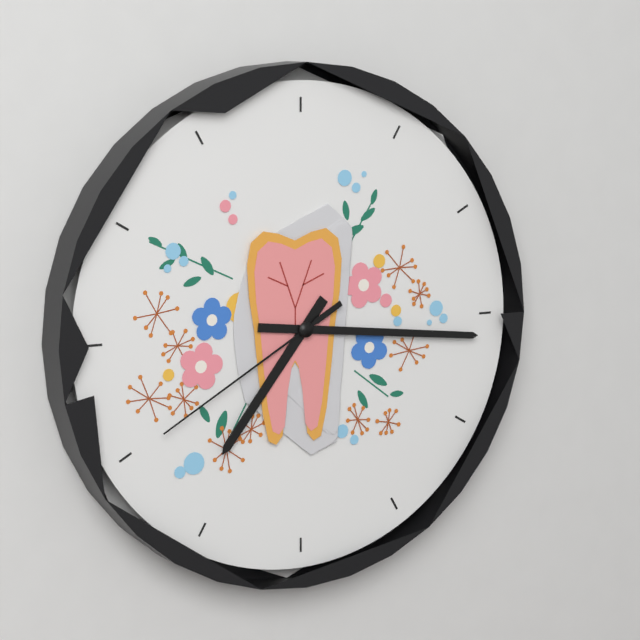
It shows {"hour": 7, "minute": 16, "second": 40}
